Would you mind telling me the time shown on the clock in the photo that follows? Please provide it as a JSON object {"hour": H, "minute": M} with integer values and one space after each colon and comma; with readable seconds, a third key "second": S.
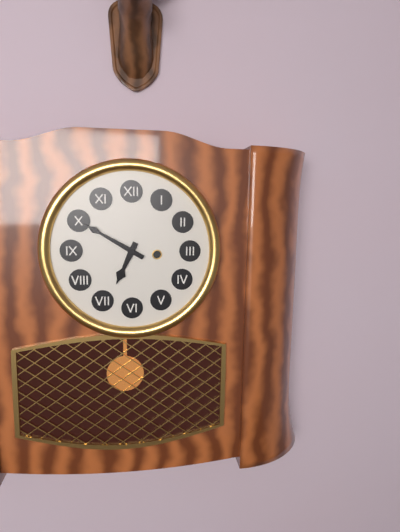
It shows {"hour": 6, "minute": 50}
